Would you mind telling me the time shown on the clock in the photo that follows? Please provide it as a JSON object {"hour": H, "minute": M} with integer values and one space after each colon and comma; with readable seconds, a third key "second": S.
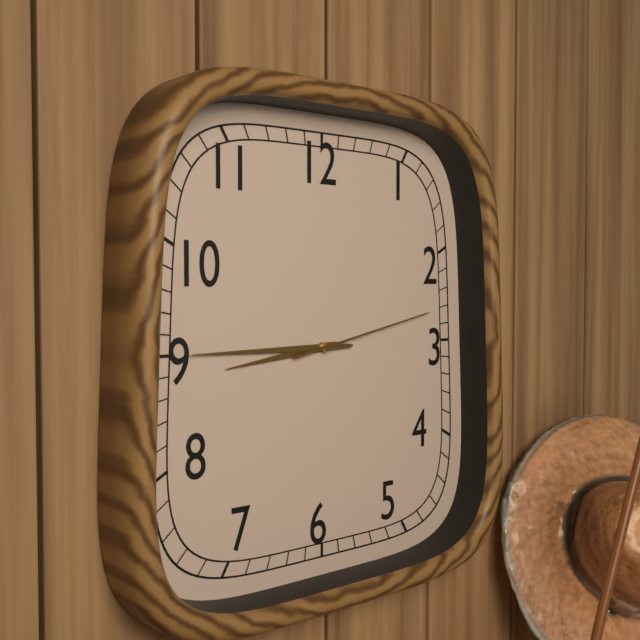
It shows {"hour": 8, "minute": 45, "second": 13}
